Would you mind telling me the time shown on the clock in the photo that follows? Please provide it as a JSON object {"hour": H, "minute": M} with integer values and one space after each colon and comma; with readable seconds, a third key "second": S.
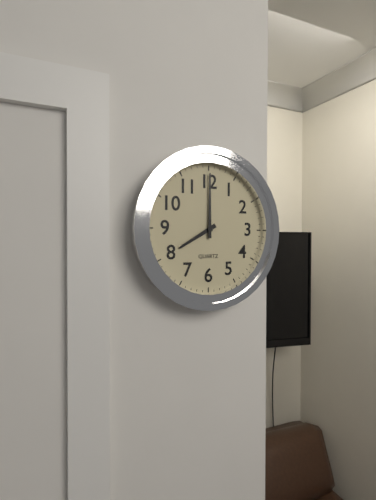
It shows {"hour": 8, "minute": 0}
